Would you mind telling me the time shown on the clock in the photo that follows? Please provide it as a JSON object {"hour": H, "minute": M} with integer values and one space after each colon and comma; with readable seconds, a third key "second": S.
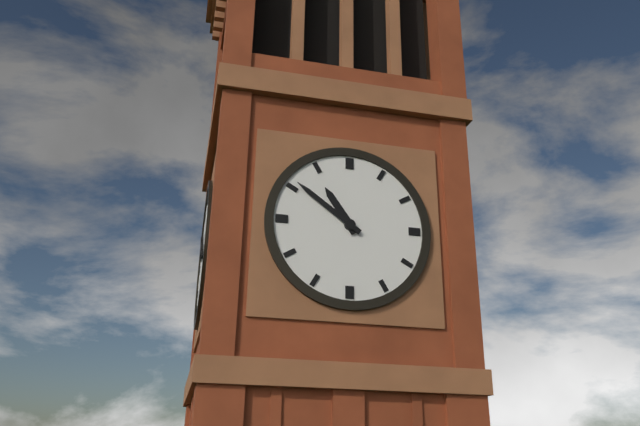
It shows {"hour": 10, "minute": 51}
